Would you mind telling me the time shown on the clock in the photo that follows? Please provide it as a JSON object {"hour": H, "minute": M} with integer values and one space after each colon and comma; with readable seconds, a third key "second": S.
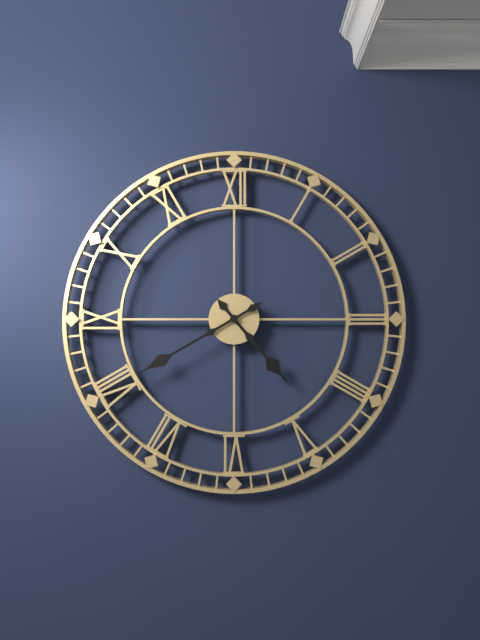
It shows {"hour": 4, "minute": 40}
